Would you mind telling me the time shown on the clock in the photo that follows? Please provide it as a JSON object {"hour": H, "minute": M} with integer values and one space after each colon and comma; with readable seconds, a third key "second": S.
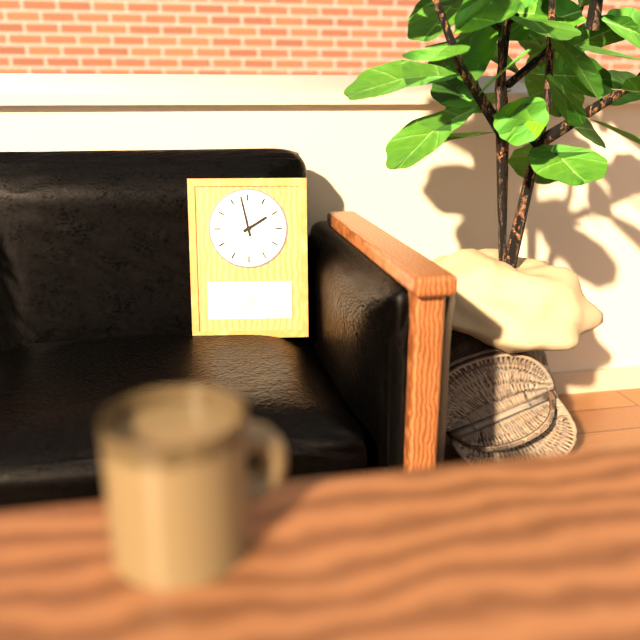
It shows {"hour": 1, "minute": 58}
